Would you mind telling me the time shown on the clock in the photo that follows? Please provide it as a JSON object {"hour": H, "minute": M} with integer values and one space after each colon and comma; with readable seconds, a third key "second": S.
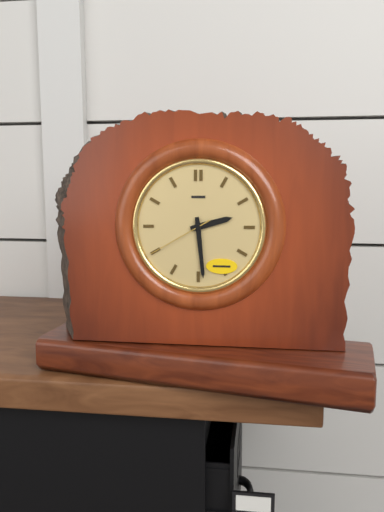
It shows {"hour": 2, "minute": 29, "second": 40}
